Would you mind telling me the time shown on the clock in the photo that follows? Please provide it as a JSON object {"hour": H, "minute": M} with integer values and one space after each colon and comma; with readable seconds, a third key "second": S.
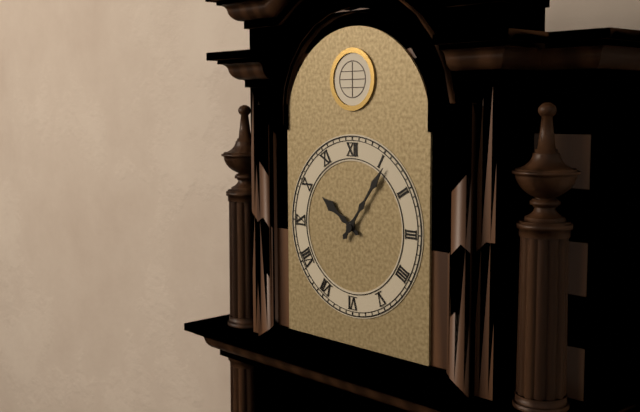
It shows {"hour": 10, "minute": 6}
